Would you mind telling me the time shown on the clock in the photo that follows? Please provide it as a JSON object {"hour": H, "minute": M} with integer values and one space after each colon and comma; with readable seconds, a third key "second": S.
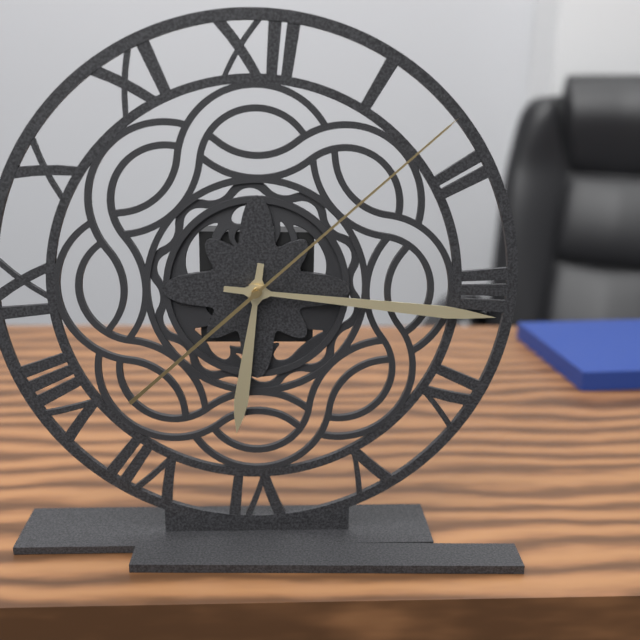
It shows {"hour": 6, "minute": 16, "second": 8}
